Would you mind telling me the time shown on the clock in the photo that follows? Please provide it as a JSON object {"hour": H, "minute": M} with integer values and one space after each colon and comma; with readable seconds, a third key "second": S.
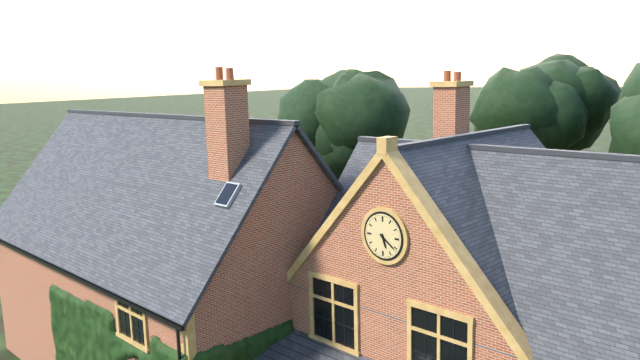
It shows {"hour": 5, "minute": 21}
